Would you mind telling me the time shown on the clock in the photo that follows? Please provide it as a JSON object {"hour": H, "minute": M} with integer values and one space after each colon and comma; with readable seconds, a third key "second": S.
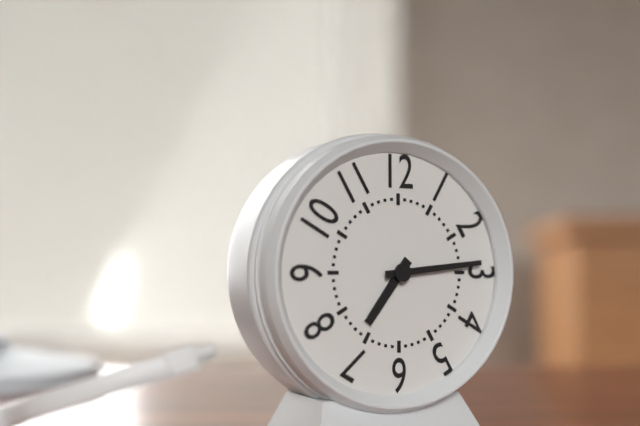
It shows {"hour": 7, "minute": 14}
